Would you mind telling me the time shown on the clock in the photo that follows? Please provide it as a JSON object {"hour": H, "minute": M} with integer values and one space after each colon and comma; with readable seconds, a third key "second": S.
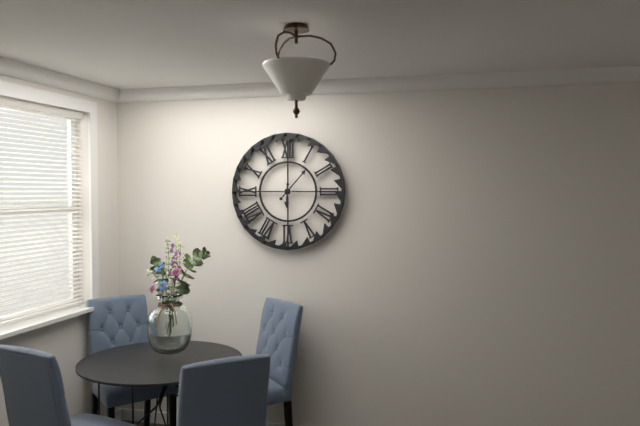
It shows {"hour": 6, "minute": 7}
